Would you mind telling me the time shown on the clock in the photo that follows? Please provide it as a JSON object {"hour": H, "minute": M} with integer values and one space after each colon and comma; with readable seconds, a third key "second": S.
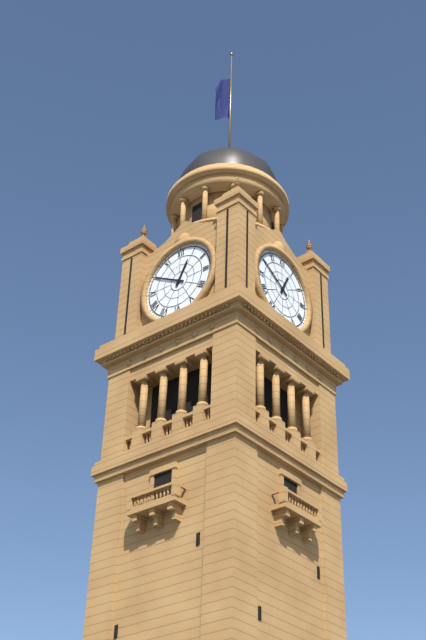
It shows {"hour": 12, "minute": 50}
